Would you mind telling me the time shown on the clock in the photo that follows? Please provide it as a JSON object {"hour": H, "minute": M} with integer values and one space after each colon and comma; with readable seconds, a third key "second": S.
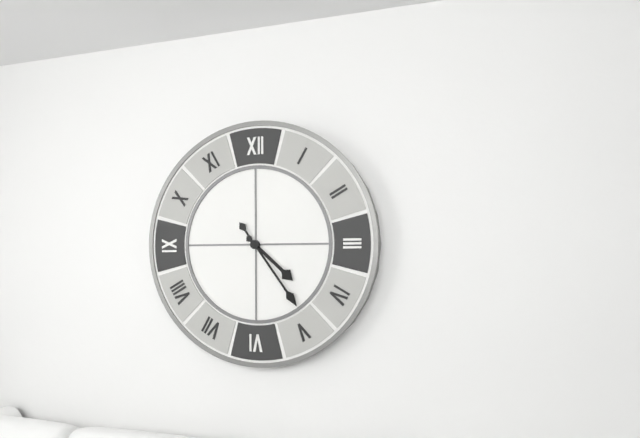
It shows {"hour": 4, "minute": 24}
